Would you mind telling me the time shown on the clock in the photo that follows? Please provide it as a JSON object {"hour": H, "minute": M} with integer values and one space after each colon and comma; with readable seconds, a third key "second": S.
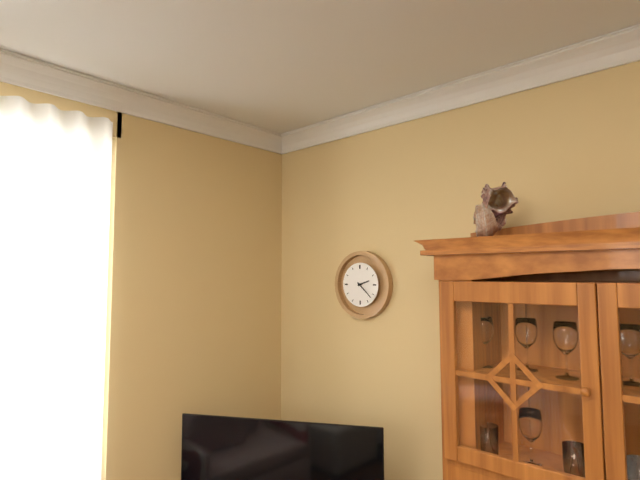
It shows {"hour": 2, "minute": 22}
